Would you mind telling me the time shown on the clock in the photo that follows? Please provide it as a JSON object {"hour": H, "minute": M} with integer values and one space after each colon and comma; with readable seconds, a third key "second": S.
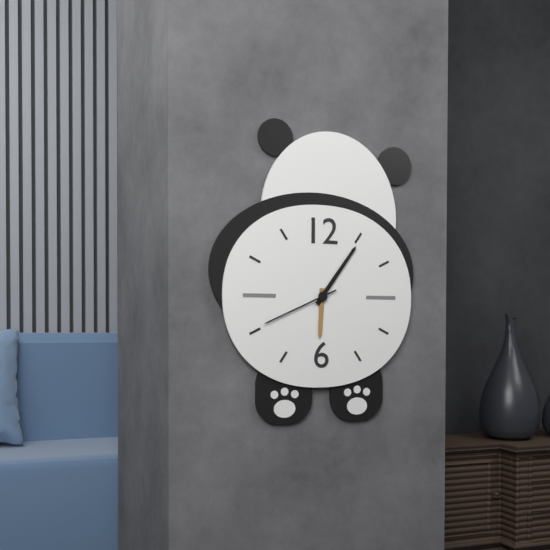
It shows {"hour": 6, "minute": 6, "second": 41}
